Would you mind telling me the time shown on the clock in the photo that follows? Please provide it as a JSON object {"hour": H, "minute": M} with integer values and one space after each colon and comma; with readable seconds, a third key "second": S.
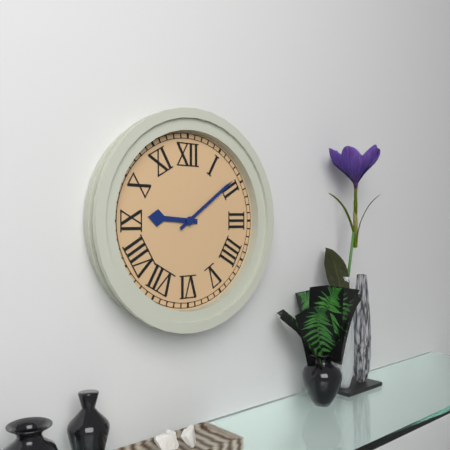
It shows {"hour": 9, "minute": 9}
